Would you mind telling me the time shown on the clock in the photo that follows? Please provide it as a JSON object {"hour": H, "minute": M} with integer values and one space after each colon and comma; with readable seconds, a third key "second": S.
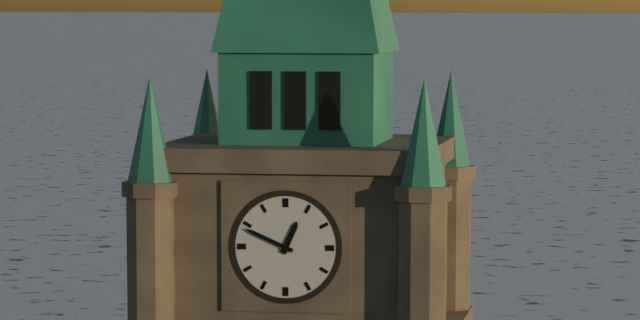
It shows {"hour": 12, "minute": 49}
